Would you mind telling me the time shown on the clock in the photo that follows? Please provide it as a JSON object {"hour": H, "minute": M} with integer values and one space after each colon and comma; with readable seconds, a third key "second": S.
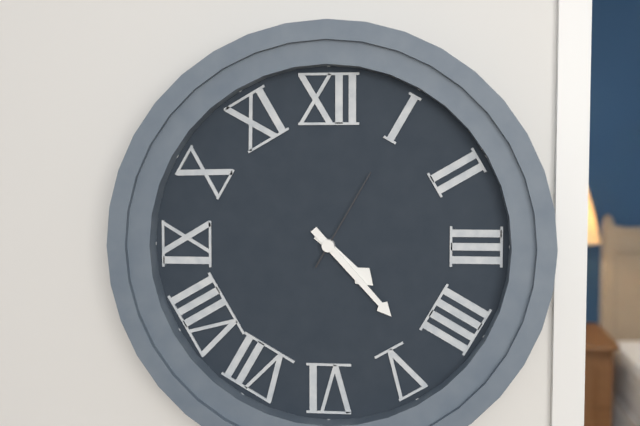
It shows {"hour": 4, "minute": 23, "second": 5}
